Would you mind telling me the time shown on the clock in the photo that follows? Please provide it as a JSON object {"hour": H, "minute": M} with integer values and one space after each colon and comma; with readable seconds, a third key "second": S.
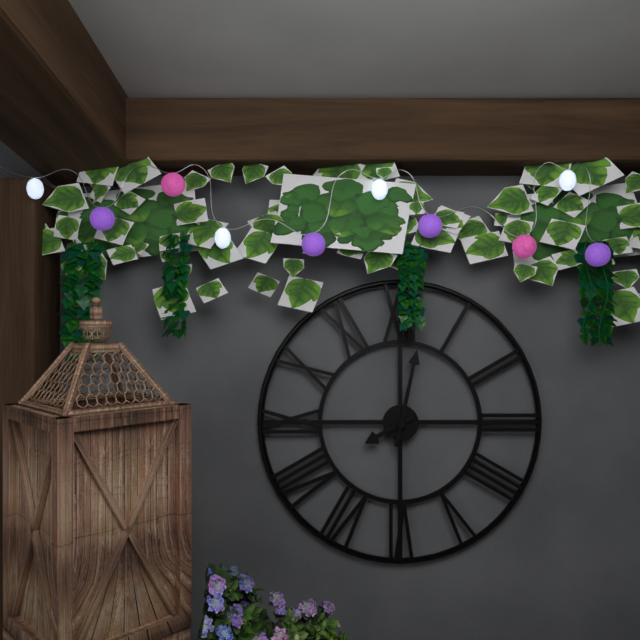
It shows {"hour": 8, "minute": 2}
